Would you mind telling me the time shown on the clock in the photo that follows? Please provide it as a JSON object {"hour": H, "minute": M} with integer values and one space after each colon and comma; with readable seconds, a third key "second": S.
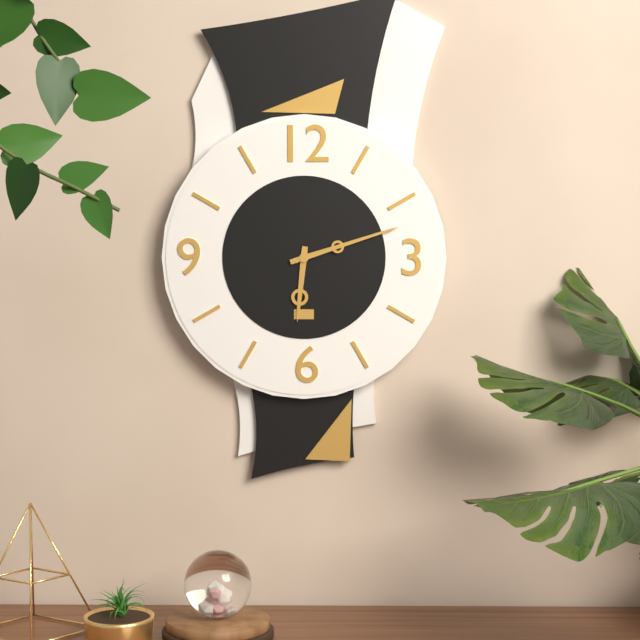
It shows {"hour": 6, "minute": 12}
